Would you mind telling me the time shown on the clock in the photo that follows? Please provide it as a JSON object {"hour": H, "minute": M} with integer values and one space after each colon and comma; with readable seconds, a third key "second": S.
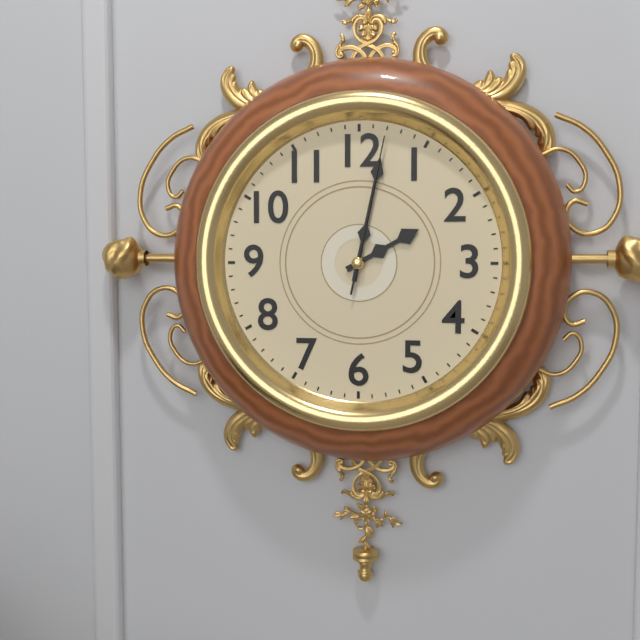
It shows {"hour": 2, "minute": 2, "second": 2}
